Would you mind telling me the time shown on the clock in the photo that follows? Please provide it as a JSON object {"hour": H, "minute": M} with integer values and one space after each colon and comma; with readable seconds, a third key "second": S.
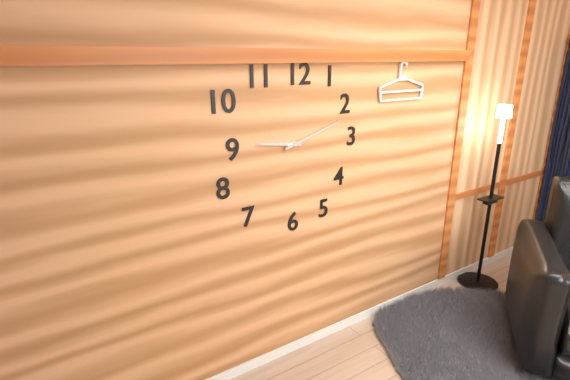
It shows {"hour": 9, "minute": 12}
